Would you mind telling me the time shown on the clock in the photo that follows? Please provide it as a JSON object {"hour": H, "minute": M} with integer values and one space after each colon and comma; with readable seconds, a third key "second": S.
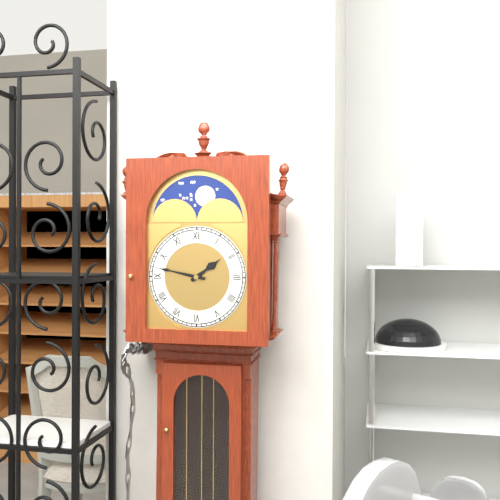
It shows {"hour": 1, "minute": 47}
